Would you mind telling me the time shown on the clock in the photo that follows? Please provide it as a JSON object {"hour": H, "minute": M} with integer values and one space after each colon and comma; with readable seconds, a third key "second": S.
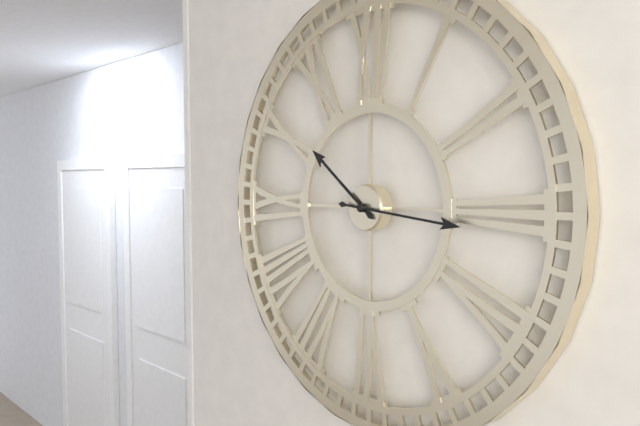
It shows {"hour": 10, "minute": 16}
